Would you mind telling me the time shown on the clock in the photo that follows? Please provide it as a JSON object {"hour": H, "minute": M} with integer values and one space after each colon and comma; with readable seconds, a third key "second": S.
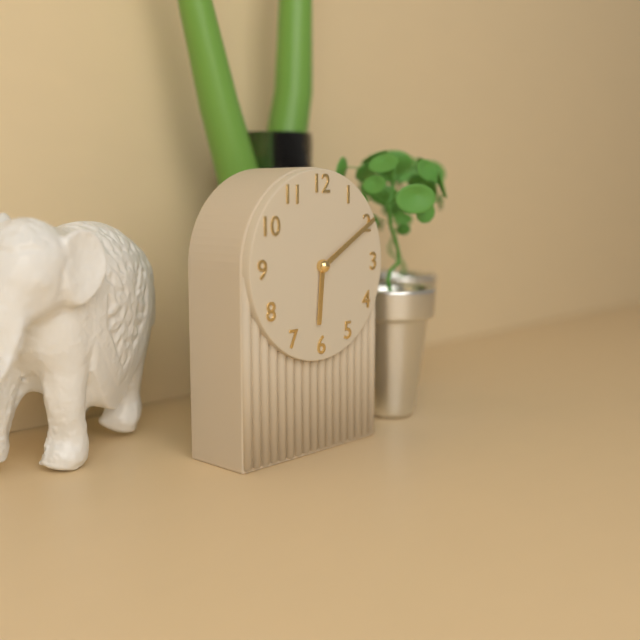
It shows {"hour": 6, "minute": 10}
